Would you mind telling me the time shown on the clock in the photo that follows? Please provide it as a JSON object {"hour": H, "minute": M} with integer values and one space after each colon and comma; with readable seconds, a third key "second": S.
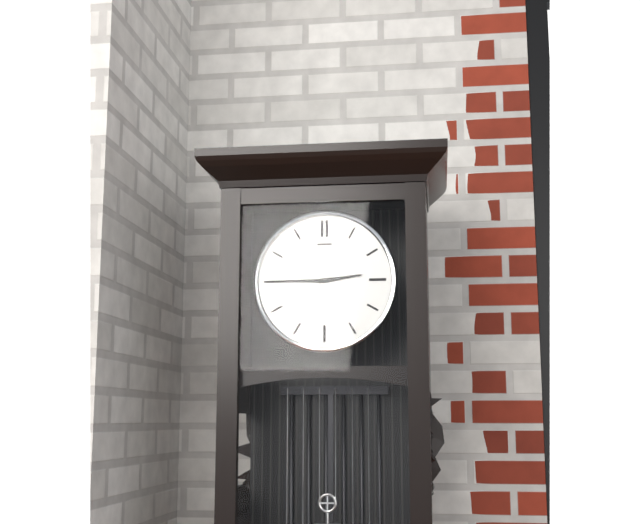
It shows {"hour": 2, "minute": 45}
